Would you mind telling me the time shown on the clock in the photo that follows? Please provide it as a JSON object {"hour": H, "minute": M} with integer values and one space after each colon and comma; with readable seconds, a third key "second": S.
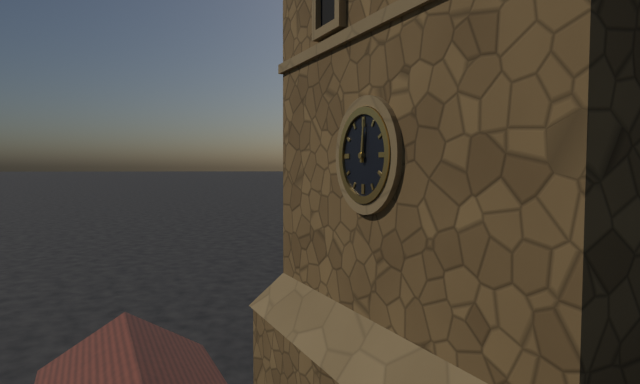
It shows {"hour": 12, "minute": 1}
